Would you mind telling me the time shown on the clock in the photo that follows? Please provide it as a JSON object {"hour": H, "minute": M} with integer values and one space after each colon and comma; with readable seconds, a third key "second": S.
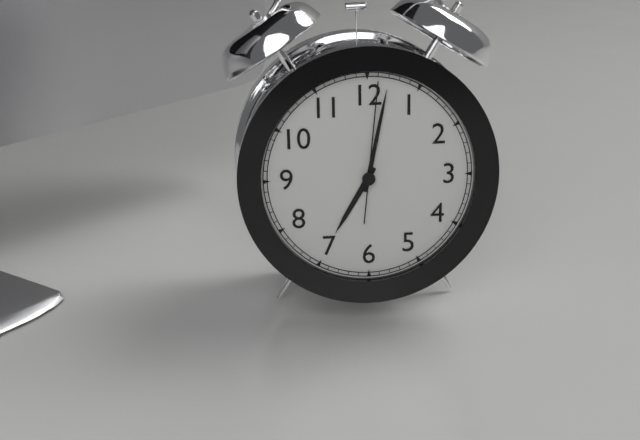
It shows {"hour": 7, "minute": 2, "second": 1}
